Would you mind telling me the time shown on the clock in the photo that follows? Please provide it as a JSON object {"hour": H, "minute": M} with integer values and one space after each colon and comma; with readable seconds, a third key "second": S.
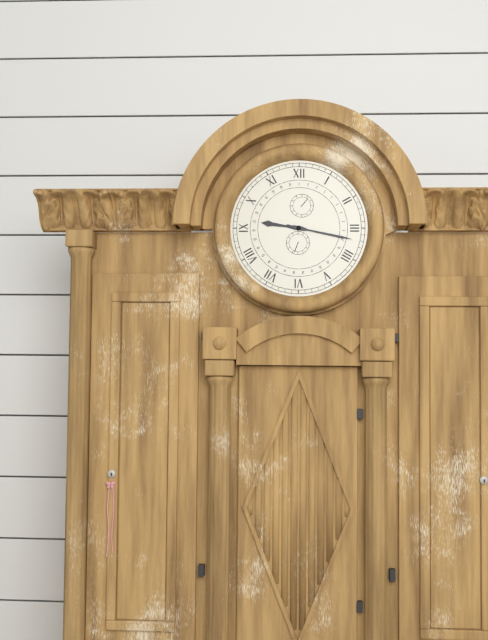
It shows {"hour": 9, "minute": 17}
